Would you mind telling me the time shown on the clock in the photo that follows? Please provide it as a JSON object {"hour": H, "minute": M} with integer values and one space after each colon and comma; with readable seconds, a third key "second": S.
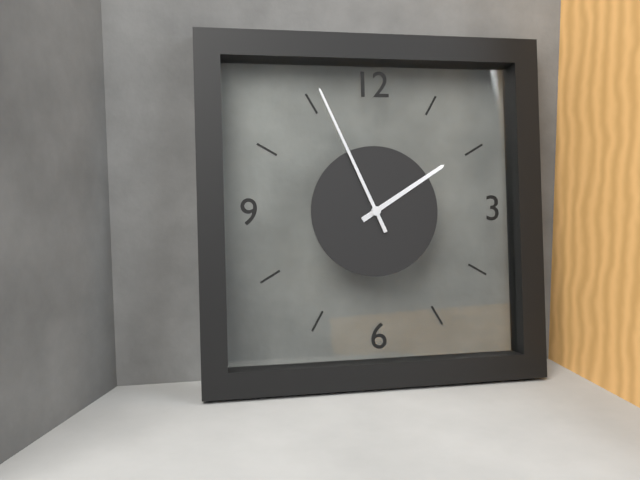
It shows {"hour": 1, "minute": 56}
